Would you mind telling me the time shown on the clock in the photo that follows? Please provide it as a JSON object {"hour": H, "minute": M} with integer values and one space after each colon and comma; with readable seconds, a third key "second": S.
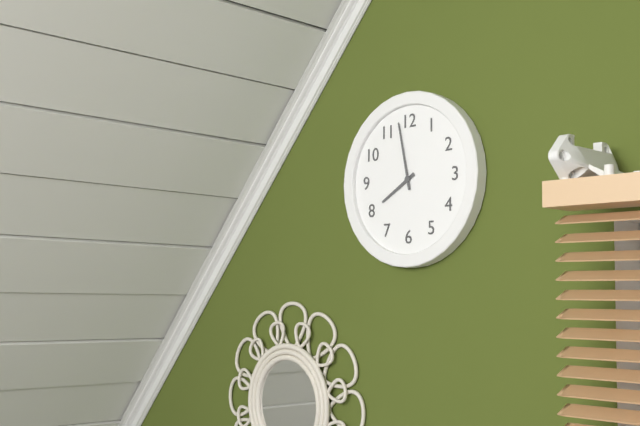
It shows {"hour": 7, "minute": 58}
